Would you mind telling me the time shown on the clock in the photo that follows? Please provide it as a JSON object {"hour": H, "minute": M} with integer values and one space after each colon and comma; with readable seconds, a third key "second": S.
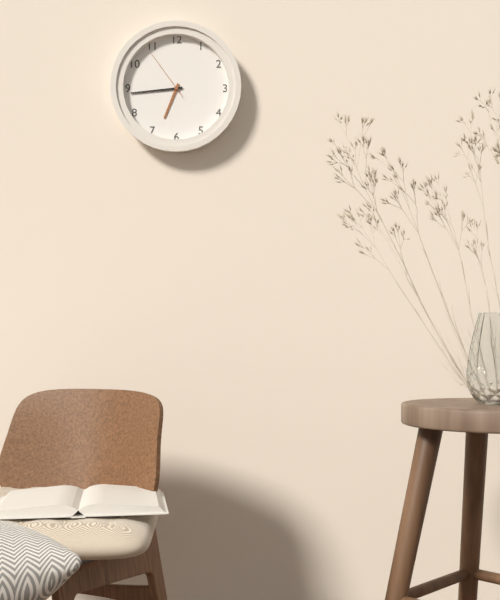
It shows {"hour": 6, "minute": 44, "second": 54}
